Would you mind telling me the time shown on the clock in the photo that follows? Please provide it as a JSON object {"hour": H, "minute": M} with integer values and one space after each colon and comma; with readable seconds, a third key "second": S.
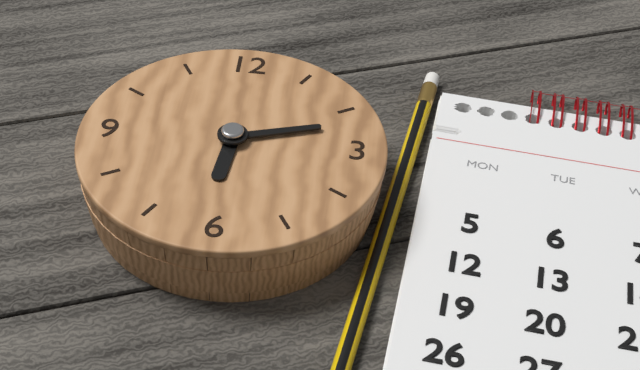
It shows {"hour": 6, "minute": 12}
